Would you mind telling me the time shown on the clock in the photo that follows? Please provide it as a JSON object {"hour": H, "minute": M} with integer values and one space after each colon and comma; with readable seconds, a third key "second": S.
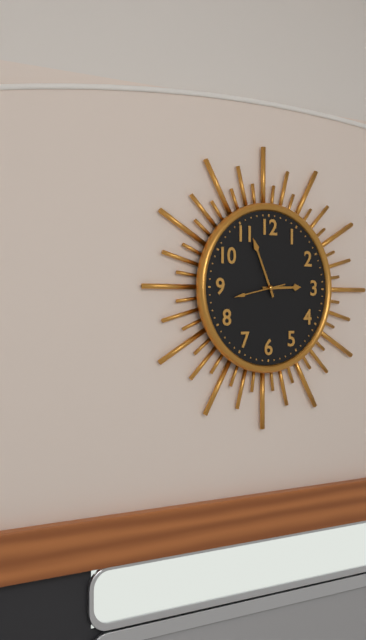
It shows {"hour": 2, "minute": 56}
